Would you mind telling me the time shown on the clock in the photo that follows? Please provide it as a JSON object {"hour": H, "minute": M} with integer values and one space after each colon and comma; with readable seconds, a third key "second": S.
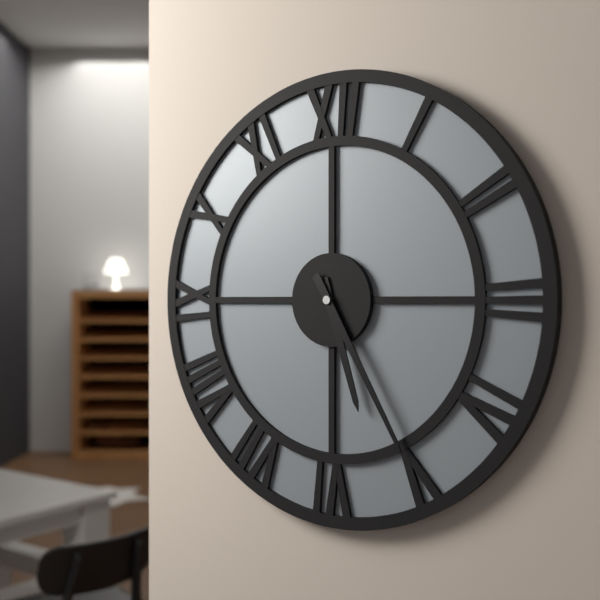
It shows {"hour": 5, "minute": 25}
